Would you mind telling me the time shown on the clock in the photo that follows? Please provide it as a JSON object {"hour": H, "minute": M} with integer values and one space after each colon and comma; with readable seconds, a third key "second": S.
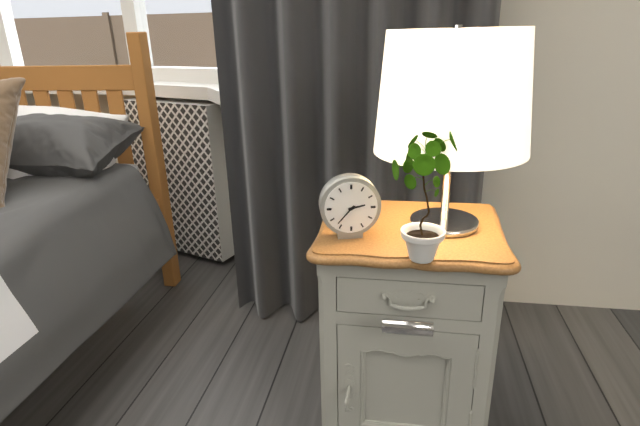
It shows {"hour": 2, "minute": 37}
